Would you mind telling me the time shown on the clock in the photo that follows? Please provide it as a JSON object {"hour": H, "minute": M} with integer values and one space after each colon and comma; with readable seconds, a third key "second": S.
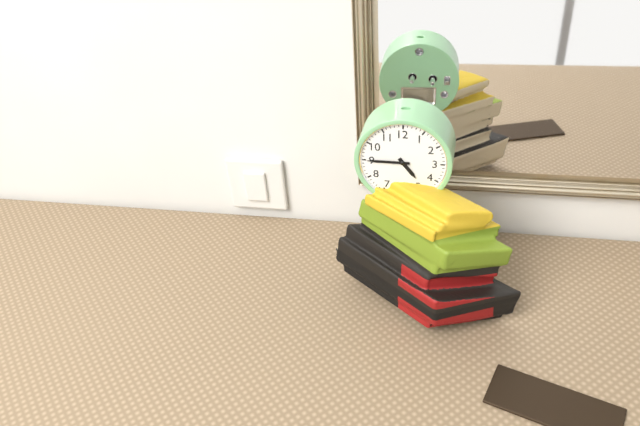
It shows {"hour": 4, "minute": 45}
